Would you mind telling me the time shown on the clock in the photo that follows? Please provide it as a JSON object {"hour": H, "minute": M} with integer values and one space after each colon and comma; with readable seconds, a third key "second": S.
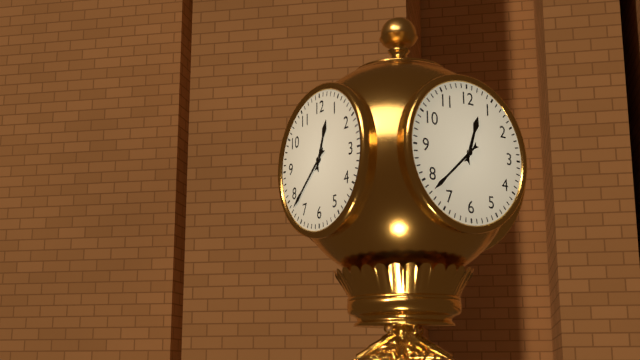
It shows {"hour": 12, "minute": 38}
